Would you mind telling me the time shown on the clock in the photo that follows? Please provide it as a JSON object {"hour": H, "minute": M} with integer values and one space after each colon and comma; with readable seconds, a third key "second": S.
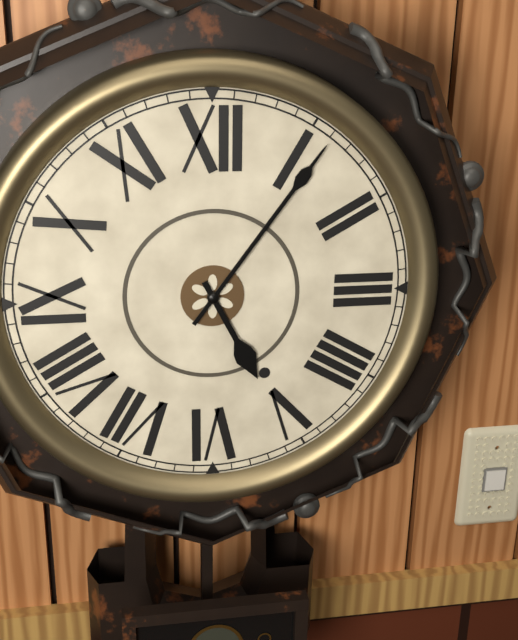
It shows {"hour": 5, "minute": 6}
